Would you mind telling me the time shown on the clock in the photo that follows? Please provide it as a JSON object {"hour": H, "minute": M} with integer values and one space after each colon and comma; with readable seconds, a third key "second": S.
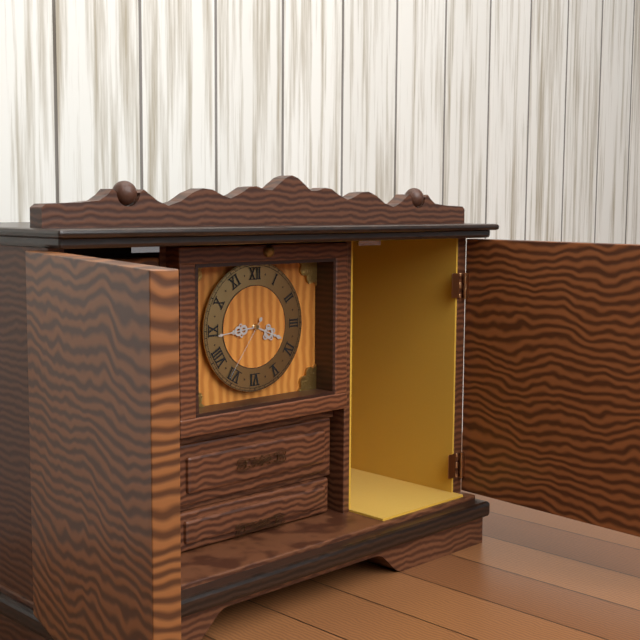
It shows {"hour": 3, "minute": 44, "second": 36}
